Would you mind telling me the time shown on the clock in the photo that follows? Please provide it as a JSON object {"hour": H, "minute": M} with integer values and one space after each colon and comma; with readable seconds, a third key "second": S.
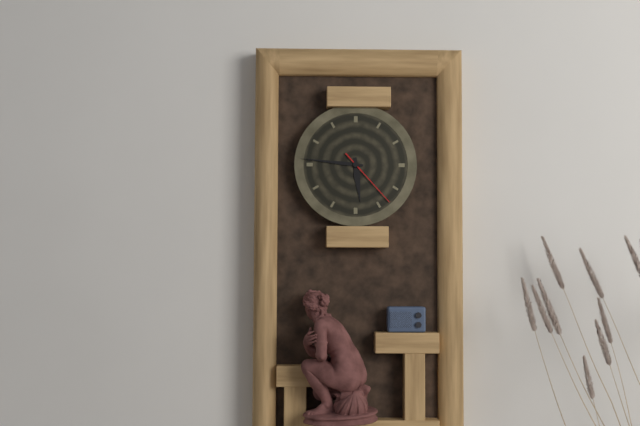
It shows {"hour": 5, "minute": 46, "second": 23}
